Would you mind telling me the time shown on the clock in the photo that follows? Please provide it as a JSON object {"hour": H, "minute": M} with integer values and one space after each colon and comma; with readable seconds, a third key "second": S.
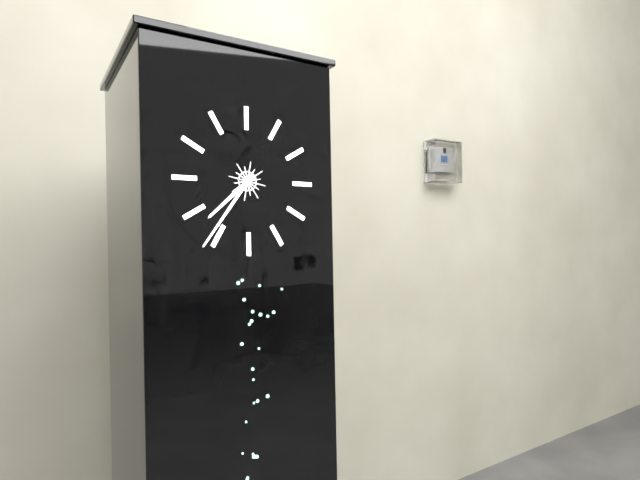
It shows {"hour": 7, "minute": 36}
